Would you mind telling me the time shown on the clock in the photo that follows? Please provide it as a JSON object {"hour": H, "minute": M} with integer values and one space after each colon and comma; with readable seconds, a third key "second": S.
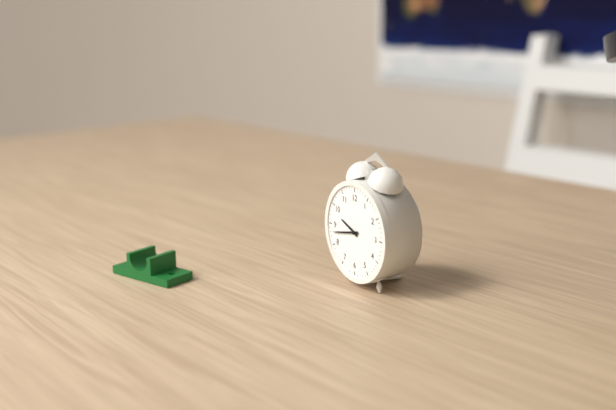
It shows {"hour": 9, "minute": 43}
